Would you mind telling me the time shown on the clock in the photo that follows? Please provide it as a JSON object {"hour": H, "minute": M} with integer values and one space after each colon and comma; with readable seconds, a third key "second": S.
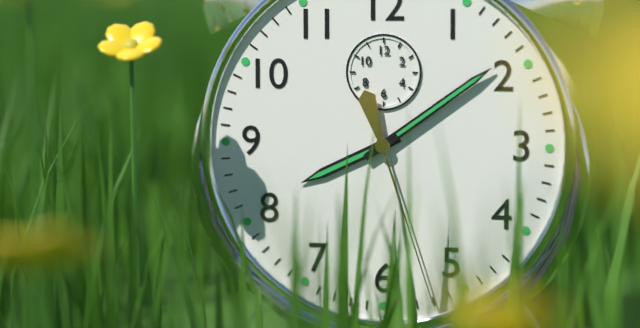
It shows {"hour": 8, "minute": 9, "second": 27}
